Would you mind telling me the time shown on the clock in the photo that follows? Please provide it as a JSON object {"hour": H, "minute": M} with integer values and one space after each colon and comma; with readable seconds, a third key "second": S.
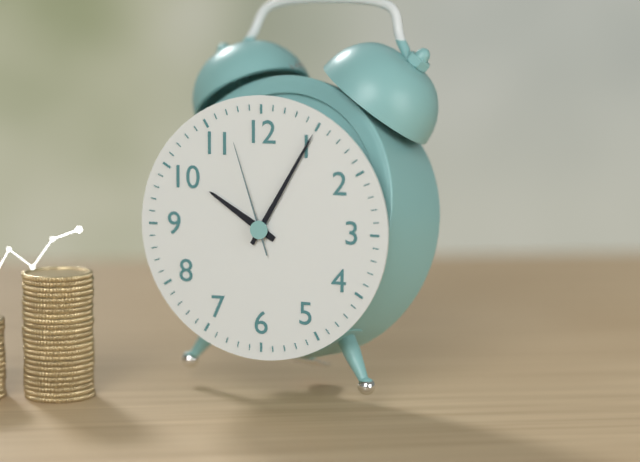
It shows {"hour": 10, "minute": 5, "second": 57}
